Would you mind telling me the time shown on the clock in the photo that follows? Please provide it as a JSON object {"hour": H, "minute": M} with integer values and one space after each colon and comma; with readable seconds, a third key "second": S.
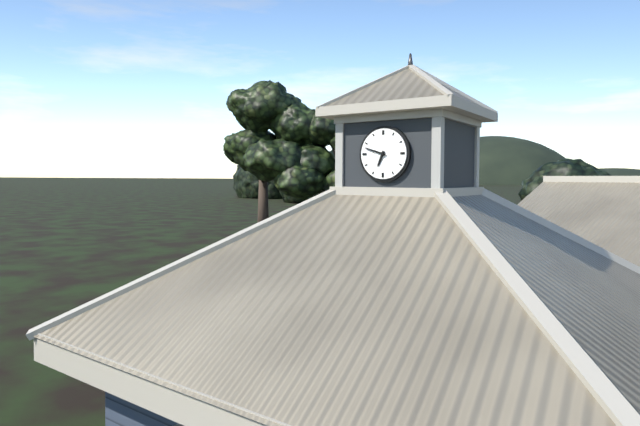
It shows {"hour": 6, "minute": 48}
